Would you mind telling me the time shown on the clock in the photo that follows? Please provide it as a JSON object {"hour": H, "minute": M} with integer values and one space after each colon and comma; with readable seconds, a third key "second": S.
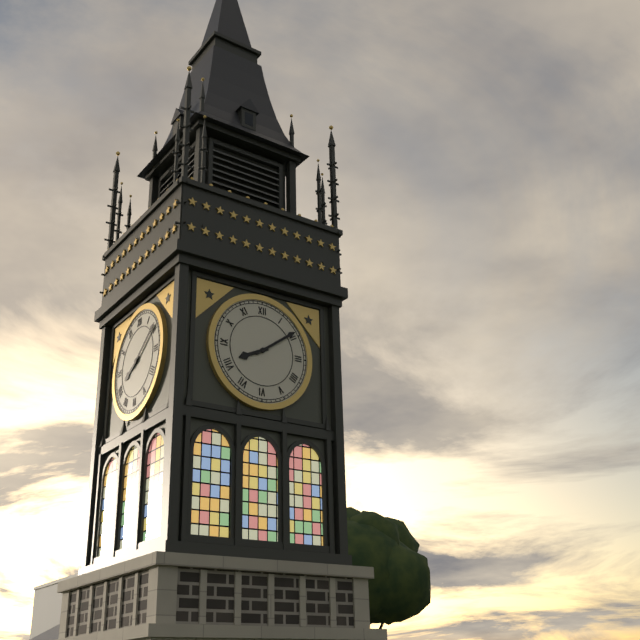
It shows {"hour": 8, "minute": 9}
